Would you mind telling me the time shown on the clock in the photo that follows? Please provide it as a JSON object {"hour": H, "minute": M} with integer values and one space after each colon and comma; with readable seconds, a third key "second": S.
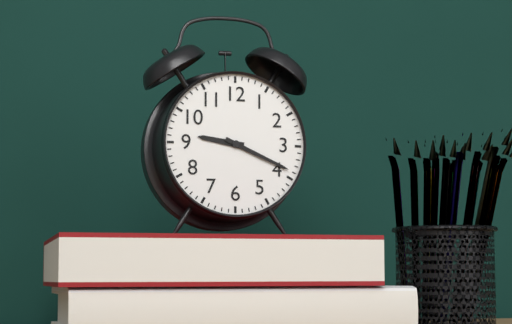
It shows {"hour": 9, "minute": 19}
